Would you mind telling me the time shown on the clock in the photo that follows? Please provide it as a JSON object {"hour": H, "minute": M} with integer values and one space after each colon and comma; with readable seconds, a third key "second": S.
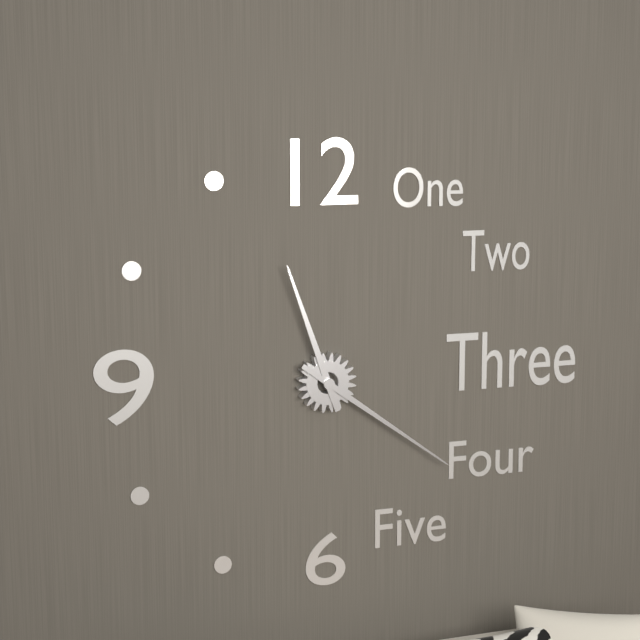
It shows {"hour": 11, "minute": 21}
